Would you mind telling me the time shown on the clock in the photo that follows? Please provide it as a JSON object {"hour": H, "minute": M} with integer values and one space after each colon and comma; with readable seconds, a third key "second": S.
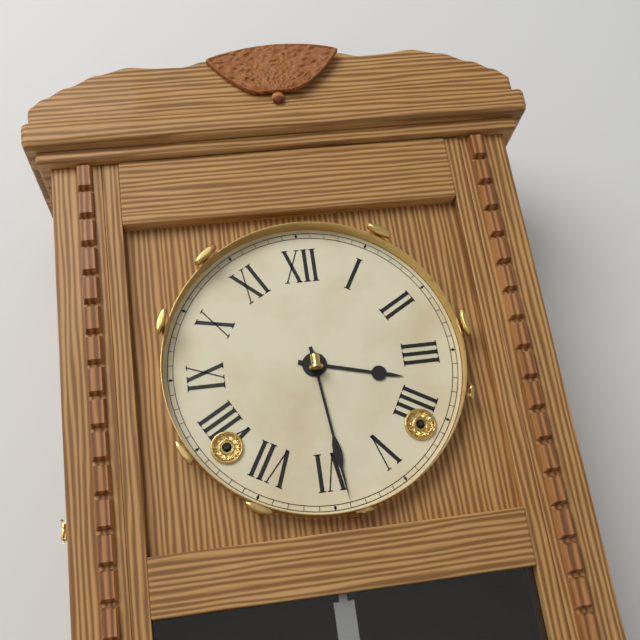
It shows {"hour": 3, "minute": 29}
